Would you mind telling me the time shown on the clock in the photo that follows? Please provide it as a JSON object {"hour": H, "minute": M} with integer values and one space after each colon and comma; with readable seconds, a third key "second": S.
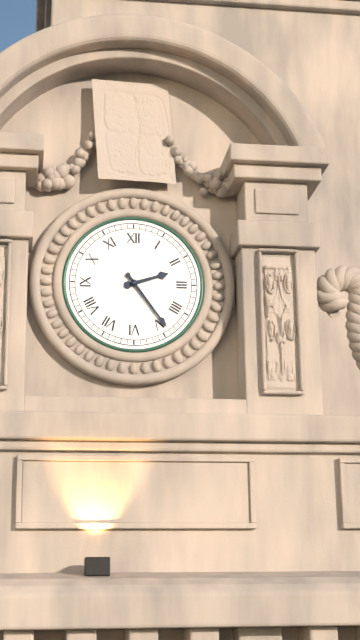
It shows {"hour": 2, "minute": 24}
